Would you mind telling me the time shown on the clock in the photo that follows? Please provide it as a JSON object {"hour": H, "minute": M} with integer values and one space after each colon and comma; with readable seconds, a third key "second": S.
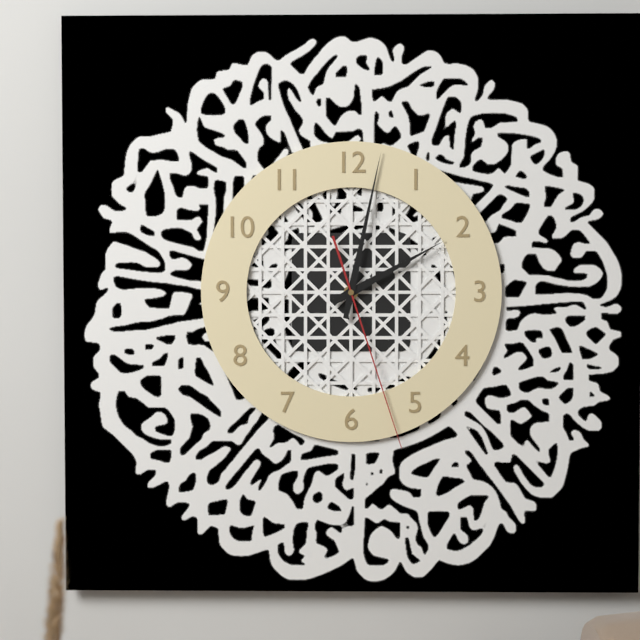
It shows {"hour": 2, "minute": 2, "second": 27}
